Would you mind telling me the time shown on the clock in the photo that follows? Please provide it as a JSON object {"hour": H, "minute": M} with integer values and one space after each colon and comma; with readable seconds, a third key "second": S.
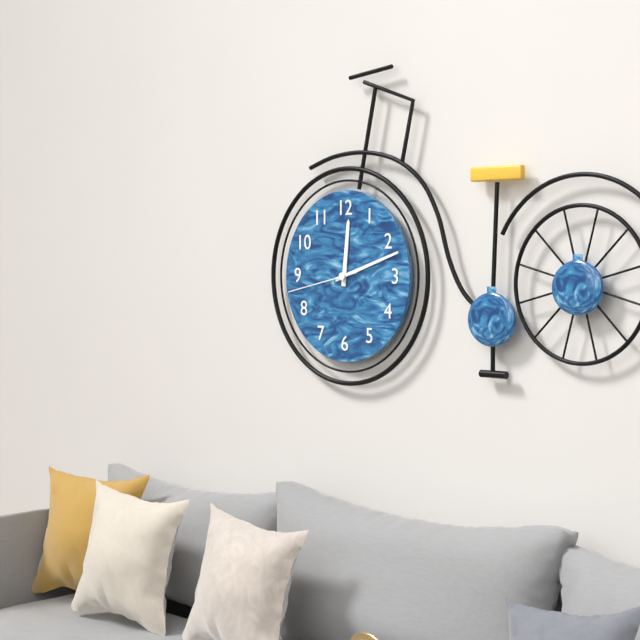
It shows {"hour": 12, "minute": 12, "second": 43}
